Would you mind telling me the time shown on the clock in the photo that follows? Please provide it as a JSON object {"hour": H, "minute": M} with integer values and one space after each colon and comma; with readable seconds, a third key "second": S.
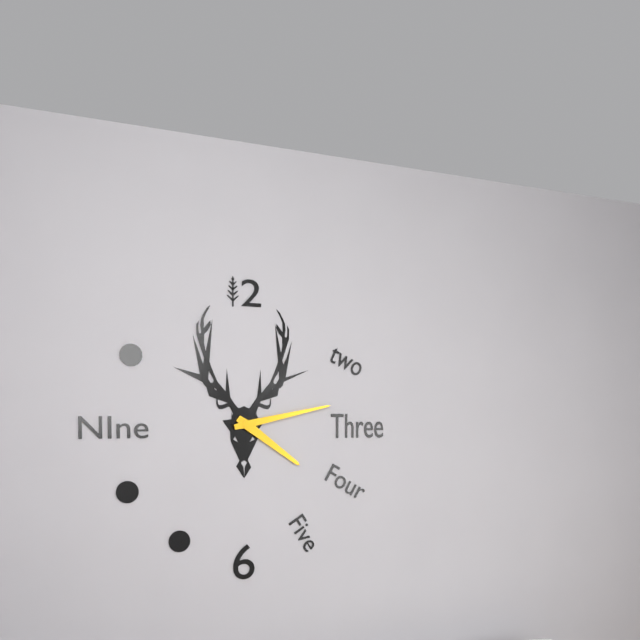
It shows {"hour": 4, "minute": 13}
